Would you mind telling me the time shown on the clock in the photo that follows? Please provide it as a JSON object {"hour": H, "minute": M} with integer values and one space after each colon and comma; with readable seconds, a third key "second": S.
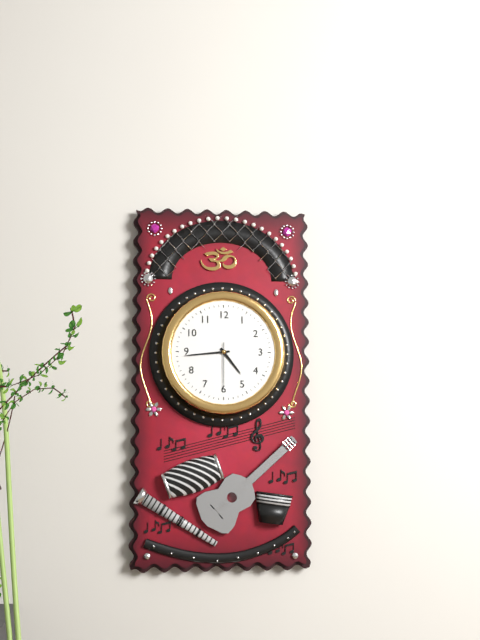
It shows {"hour": 4, "minute": 44}
